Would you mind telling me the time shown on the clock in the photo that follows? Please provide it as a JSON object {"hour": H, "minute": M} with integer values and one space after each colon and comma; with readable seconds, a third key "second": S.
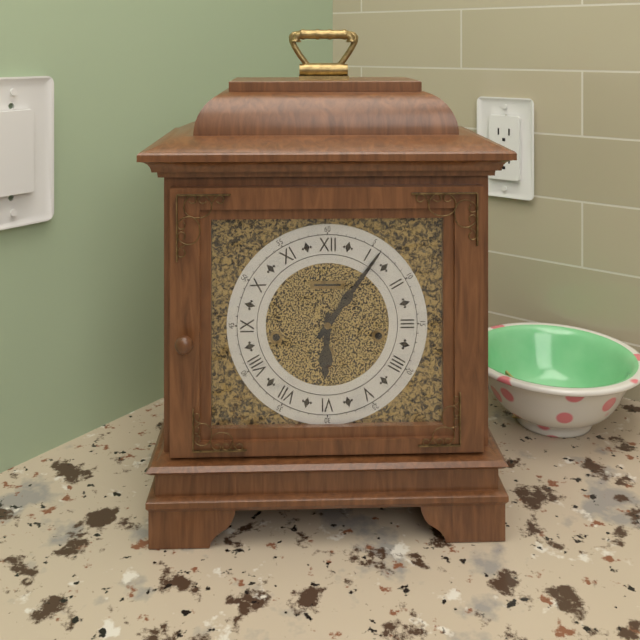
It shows {"hour": 6, "minute": 6}
